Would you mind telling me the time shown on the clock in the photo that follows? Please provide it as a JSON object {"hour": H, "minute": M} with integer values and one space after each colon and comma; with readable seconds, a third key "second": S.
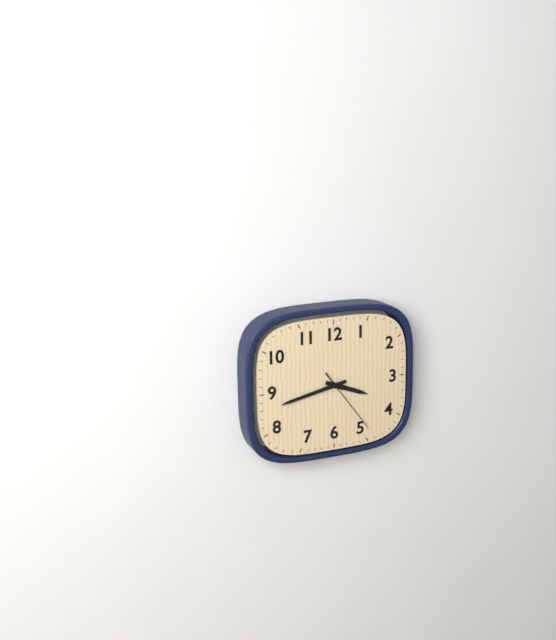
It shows {"hour": 3, "minute": 43, "second": 24}
